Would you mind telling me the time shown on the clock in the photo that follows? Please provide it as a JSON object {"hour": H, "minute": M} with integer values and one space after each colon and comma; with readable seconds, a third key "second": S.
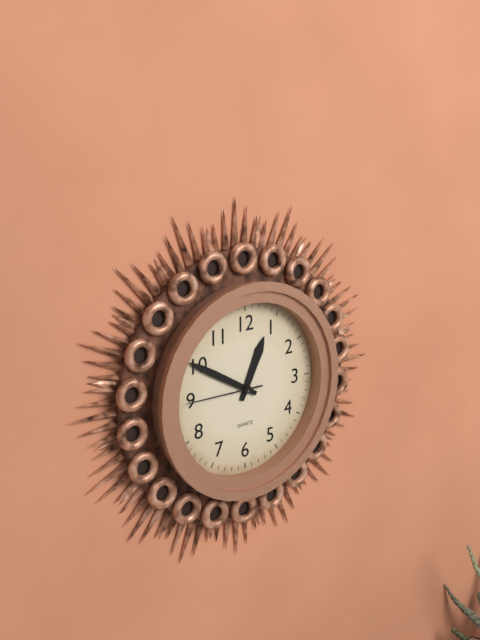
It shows {"hour": 12, "minute": 50, "second": 45}
